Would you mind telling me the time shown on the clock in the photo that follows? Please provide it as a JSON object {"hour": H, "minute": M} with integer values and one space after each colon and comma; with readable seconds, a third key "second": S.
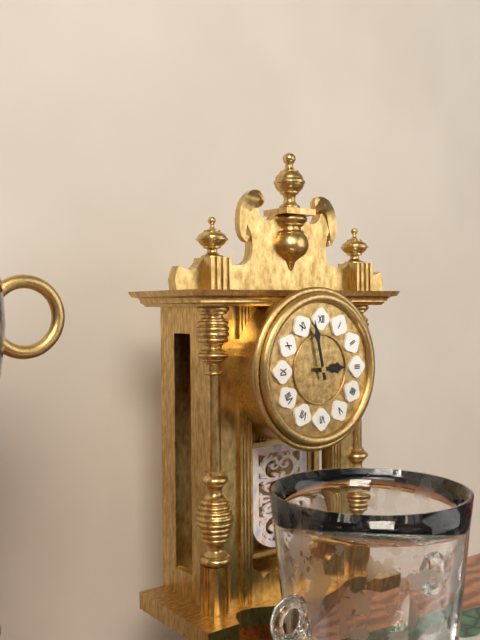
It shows {"hour": 2, "minute": 58}
